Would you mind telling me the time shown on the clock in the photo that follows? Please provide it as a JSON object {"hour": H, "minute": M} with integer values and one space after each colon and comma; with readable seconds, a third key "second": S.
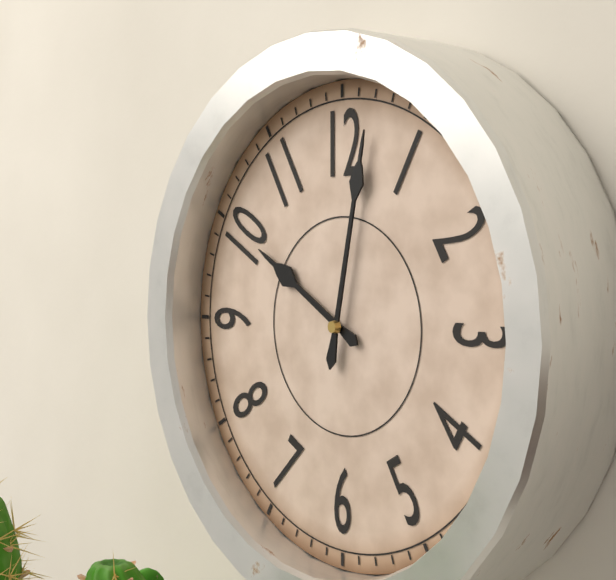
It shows {"hour": 10, "minute": 2}
